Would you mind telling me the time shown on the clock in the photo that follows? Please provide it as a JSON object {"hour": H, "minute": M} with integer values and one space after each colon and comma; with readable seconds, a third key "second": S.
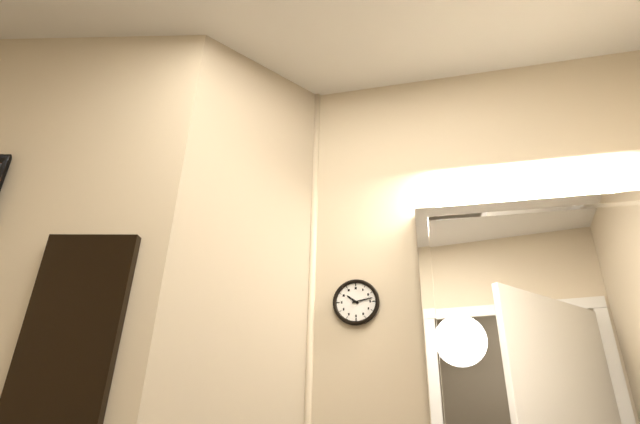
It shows {"hour": 10, "minute": 13}
